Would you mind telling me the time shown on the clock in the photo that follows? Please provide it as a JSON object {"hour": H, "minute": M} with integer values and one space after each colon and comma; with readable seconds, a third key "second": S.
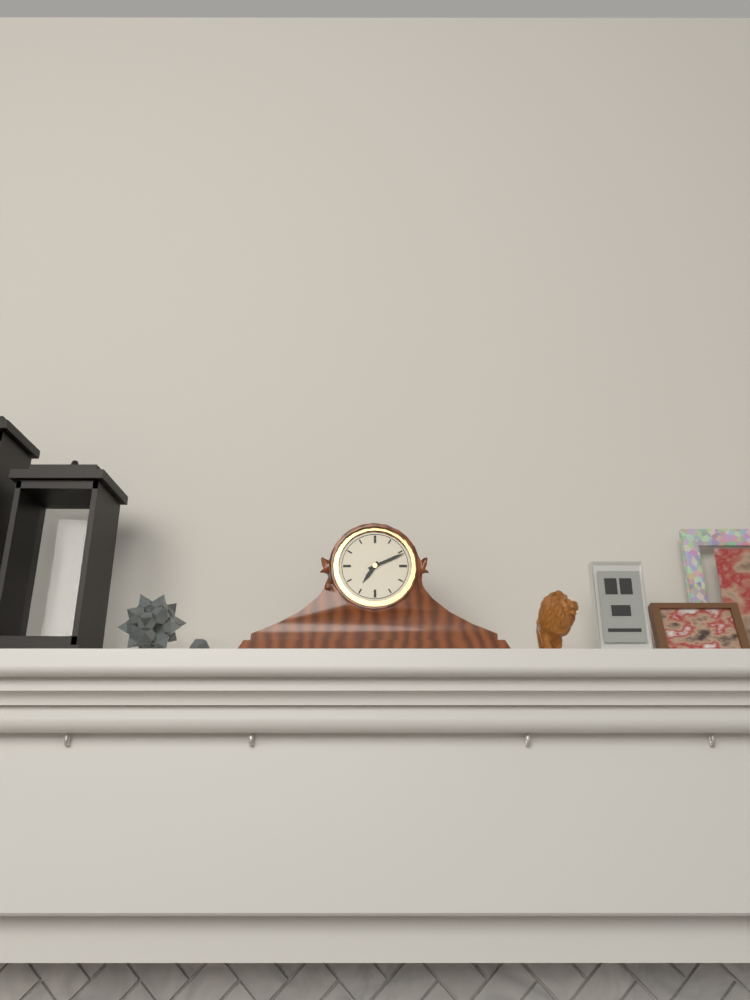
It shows {"hour": 7, "minute": 11}
